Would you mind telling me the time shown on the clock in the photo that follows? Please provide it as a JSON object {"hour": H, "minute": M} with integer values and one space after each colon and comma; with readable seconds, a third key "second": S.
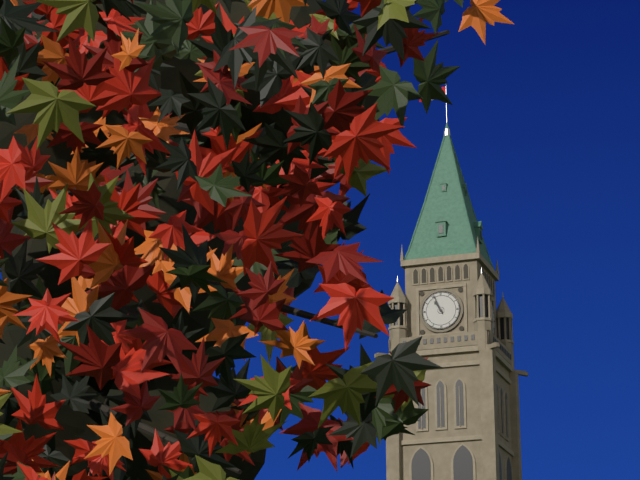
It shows {"hour": 10, "minute": 56}
